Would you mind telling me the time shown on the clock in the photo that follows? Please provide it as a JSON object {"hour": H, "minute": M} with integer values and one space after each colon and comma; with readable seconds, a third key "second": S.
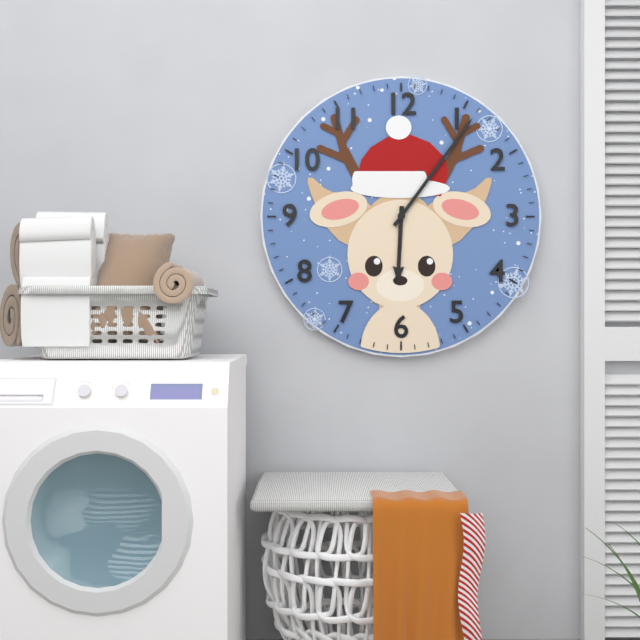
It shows {"hour": 6, "minute": 6}
